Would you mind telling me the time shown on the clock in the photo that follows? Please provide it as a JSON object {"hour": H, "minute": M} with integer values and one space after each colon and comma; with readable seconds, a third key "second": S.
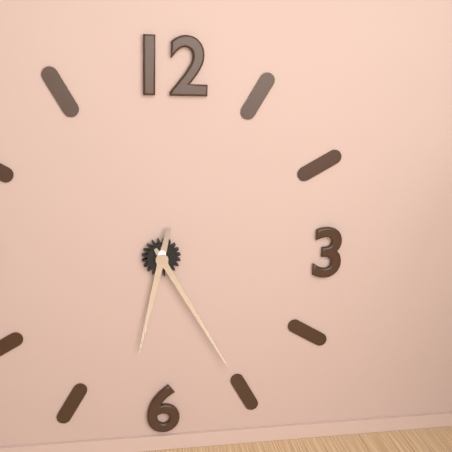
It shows {"hour": 6, "minute": 25}
